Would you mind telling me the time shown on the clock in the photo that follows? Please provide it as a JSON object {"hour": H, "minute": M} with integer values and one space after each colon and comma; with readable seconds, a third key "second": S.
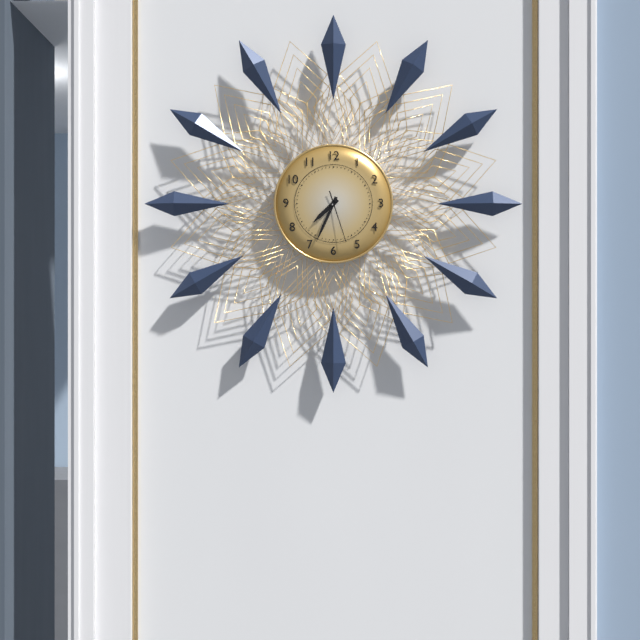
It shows {"hour": 7, "minute": 34, "second": 27}
